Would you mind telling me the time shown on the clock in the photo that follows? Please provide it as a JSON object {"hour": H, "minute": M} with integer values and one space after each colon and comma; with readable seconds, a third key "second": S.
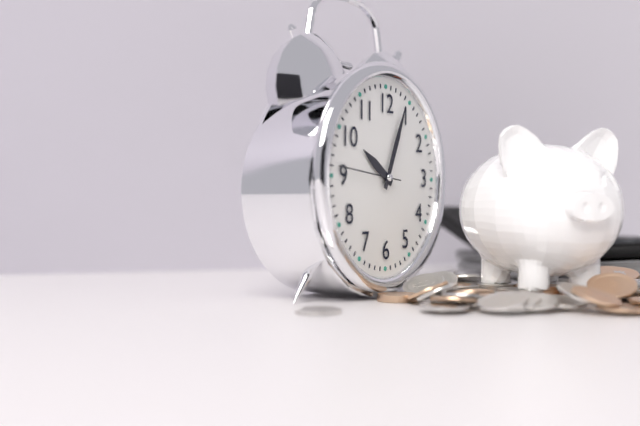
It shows {"hour": 10, "minute": 4, "second": 46}
